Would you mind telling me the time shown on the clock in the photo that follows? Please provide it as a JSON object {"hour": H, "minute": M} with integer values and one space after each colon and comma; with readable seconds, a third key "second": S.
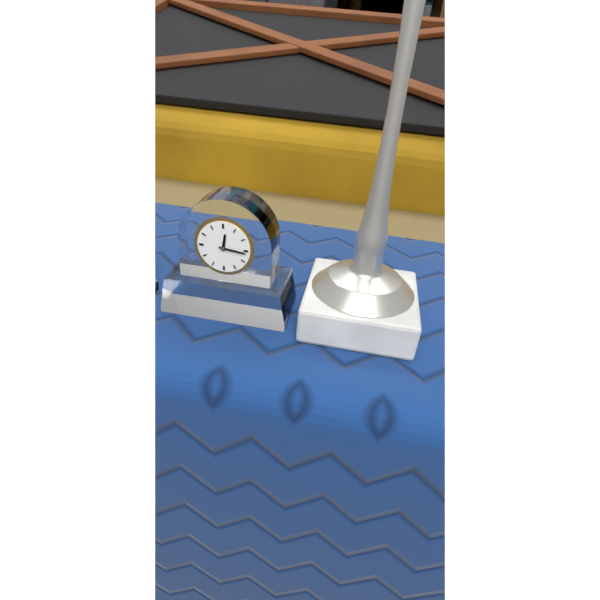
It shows {"hour": 12, "minute": 16}
